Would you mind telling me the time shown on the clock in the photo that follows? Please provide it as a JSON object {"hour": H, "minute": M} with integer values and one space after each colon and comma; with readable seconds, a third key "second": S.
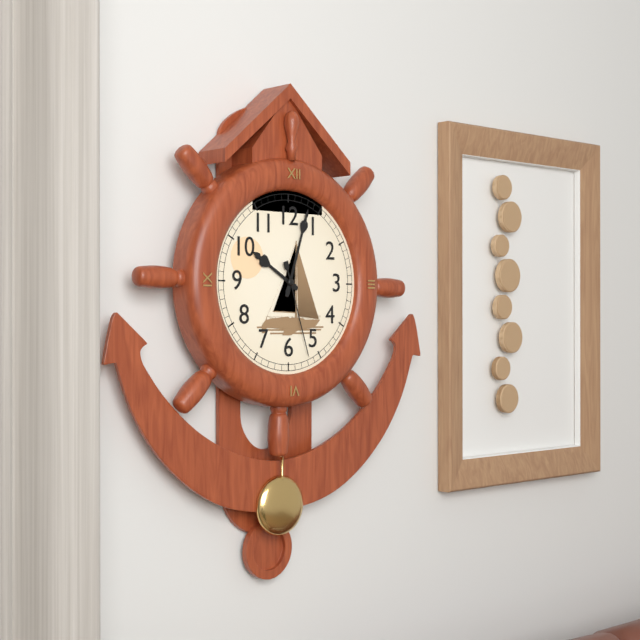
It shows {"hour": 10, "minute": 3, "second": 27}
